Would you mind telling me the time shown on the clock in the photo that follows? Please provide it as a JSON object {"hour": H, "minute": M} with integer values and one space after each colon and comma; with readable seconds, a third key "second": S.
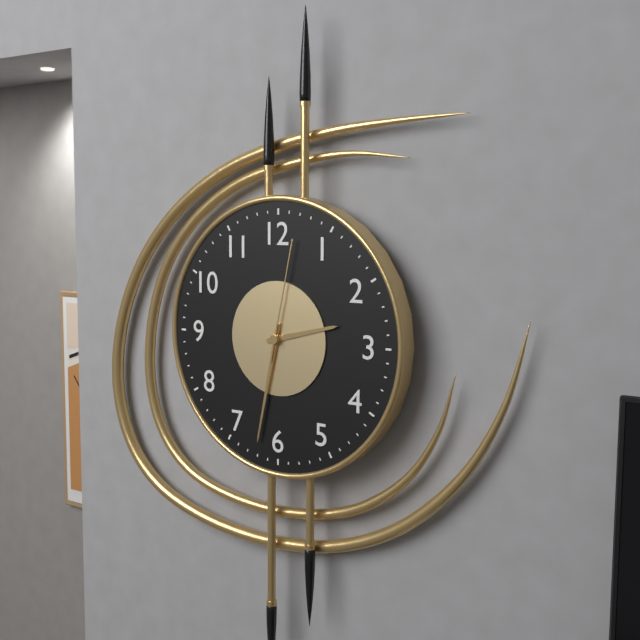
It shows {"hour": 2, "minute": 32, "second": 2}
